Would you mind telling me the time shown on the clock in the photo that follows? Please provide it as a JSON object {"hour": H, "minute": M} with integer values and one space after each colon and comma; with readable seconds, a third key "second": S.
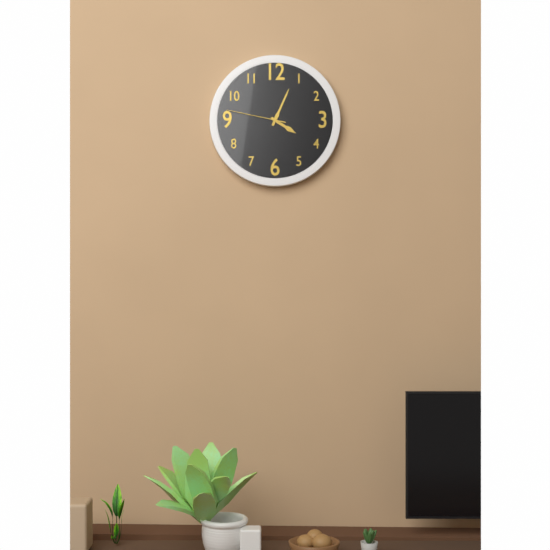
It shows {"hour": 4, "minute": 4, "second": 47}
